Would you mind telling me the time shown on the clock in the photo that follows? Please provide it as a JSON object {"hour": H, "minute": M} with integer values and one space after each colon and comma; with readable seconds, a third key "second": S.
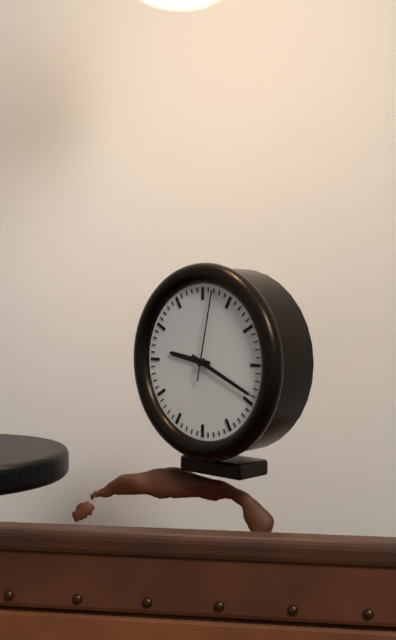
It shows {"hour": 9, "minute": 19, "second": 2}
